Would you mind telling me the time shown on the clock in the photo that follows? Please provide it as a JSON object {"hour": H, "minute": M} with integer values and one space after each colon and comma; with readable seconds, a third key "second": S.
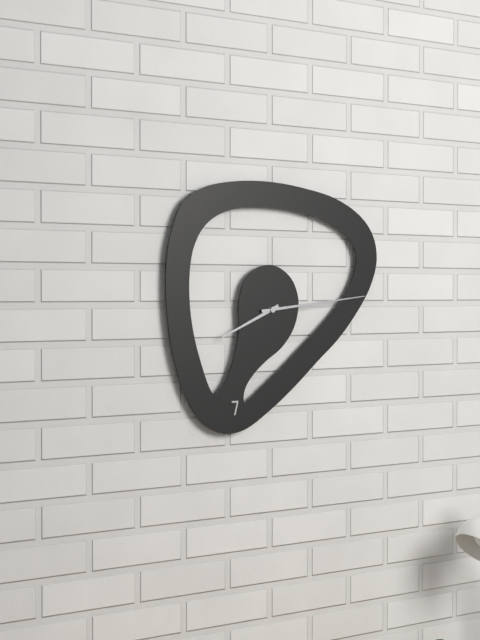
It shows {"hour": 8, "minute": 14}
